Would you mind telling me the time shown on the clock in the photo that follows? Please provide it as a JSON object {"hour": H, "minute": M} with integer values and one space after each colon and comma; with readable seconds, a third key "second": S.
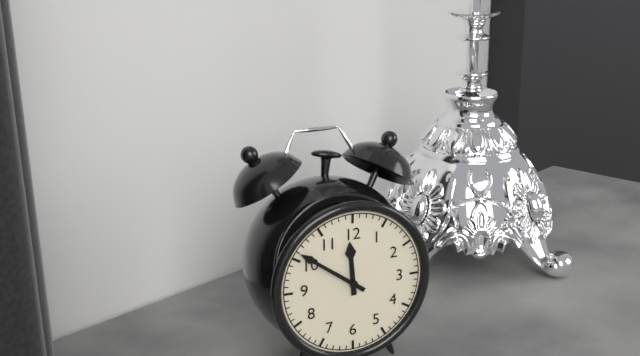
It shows {"hour": 11, "minute": 51}
